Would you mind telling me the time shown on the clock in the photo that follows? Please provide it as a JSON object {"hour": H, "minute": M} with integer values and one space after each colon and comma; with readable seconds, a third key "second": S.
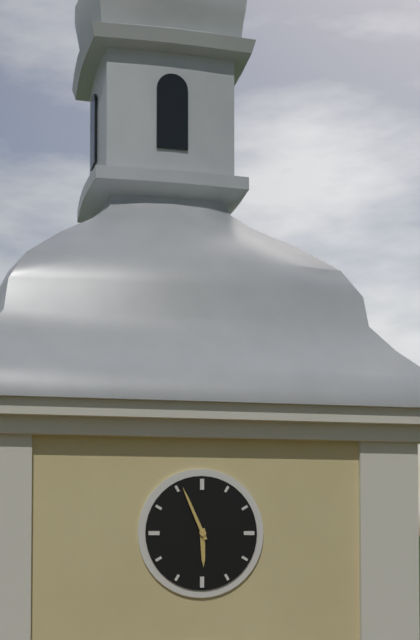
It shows {"hour": 5, "minute": 56}
